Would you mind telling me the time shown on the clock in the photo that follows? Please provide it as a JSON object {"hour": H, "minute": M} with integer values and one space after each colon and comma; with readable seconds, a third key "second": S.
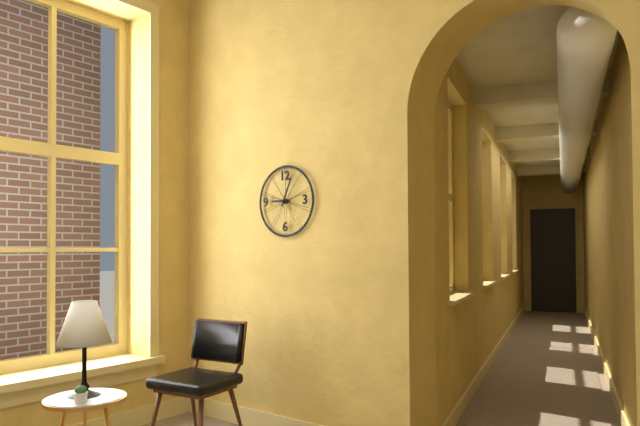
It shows {"hour": 9, "minute": 4}
